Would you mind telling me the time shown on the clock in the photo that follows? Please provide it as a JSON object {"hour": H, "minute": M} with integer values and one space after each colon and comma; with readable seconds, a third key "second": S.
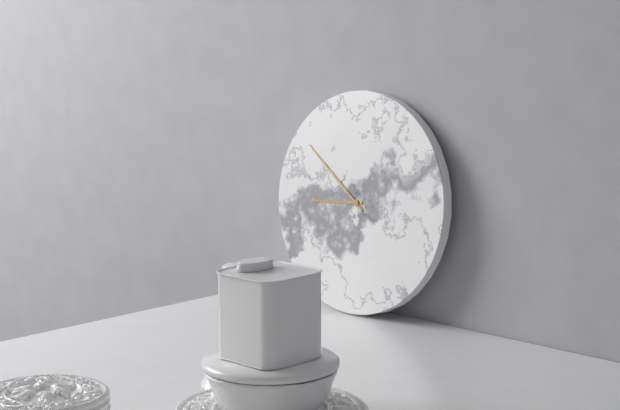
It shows {"hour": 8, "minute": 51}
